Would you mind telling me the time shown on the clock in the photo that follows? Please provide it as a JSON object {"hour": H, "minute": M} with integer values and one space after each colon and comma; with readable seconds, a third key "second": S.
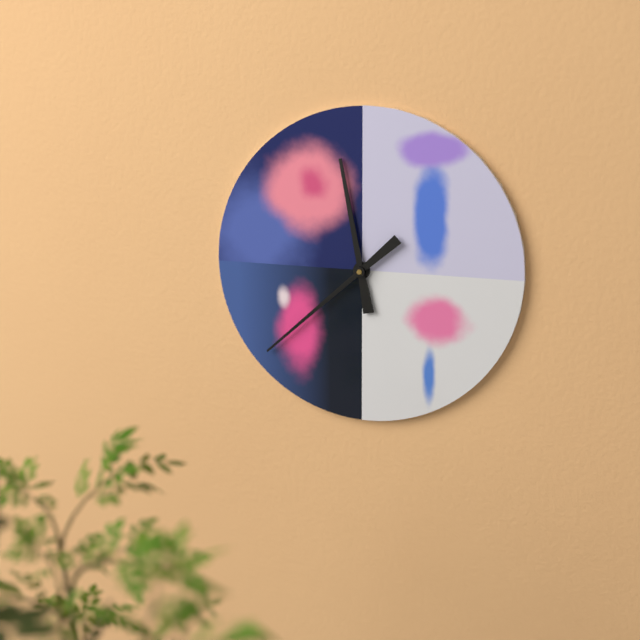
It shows {"hour": 11, "minute": 38}
